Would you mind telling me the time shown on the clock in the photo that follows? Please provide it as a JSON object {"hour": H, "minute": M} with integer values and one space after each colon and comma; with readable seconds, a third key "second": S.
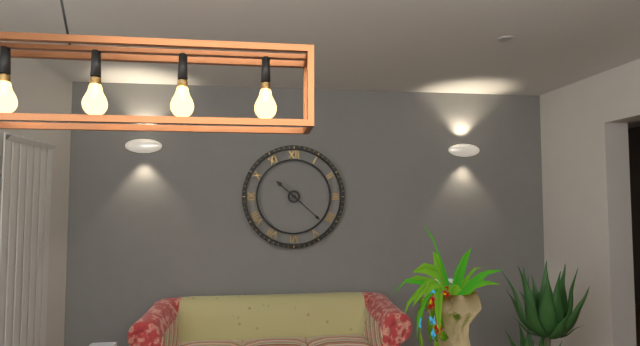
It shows {"hour": 10, "minute": 22}
